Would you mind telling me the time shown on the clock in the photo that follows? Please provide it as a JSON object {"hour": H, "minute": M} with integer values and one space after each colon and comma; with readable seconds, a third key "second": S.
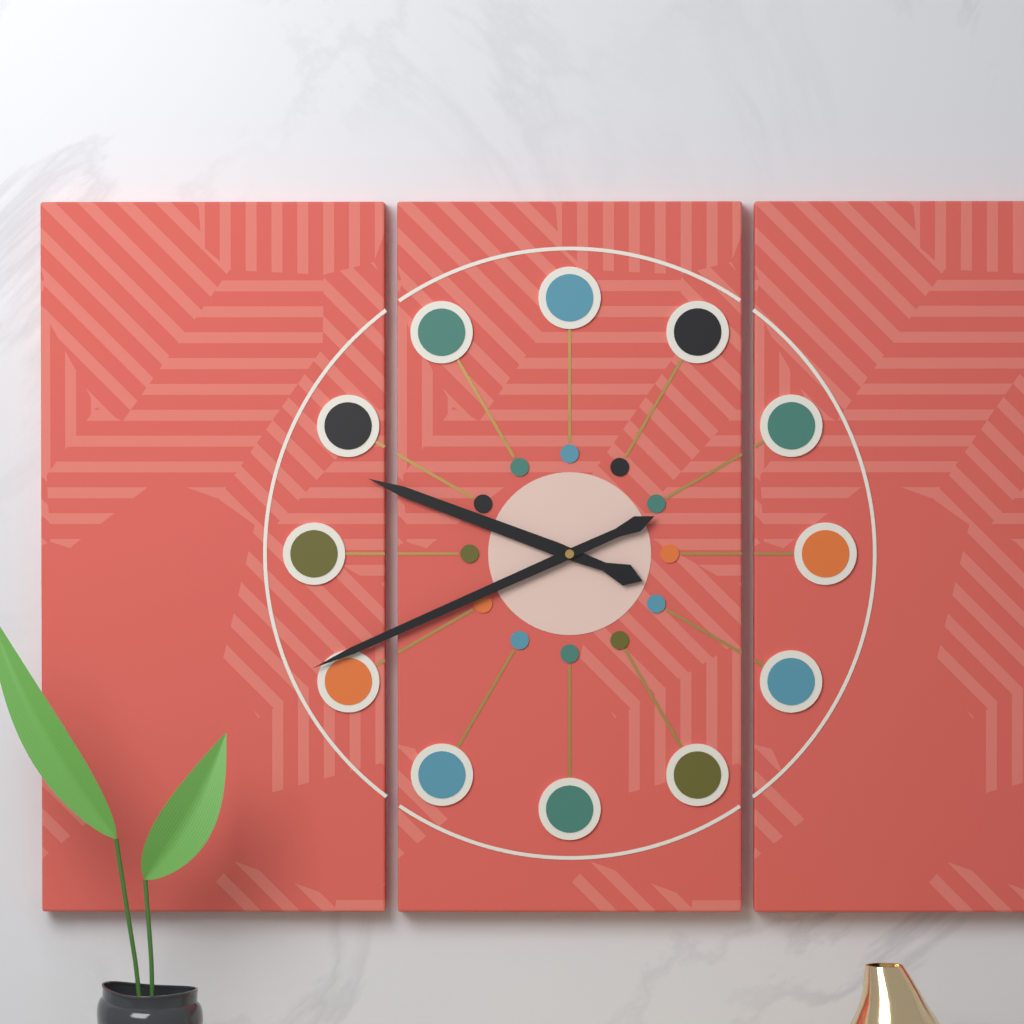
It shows {"hour": 9, "minute": 41}
